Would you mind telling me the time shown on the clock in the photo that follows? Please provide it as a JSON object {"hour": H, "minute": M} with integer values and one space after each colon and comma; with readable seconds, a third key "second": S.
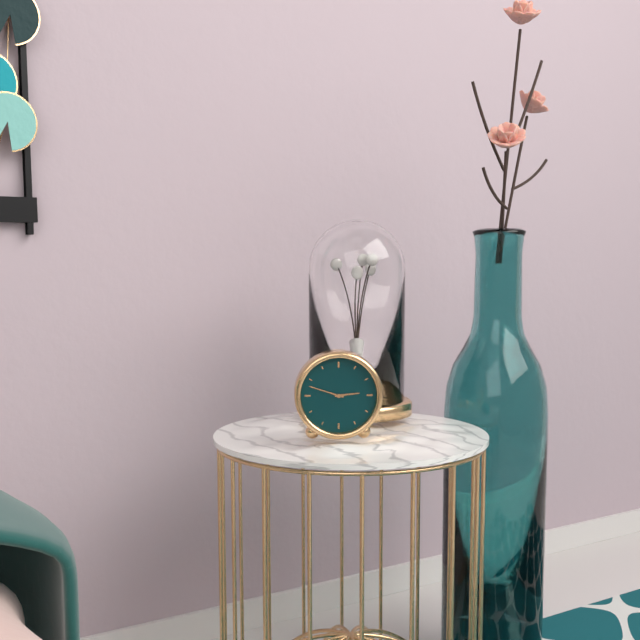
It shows {"hour": 2, "minute": 48}
